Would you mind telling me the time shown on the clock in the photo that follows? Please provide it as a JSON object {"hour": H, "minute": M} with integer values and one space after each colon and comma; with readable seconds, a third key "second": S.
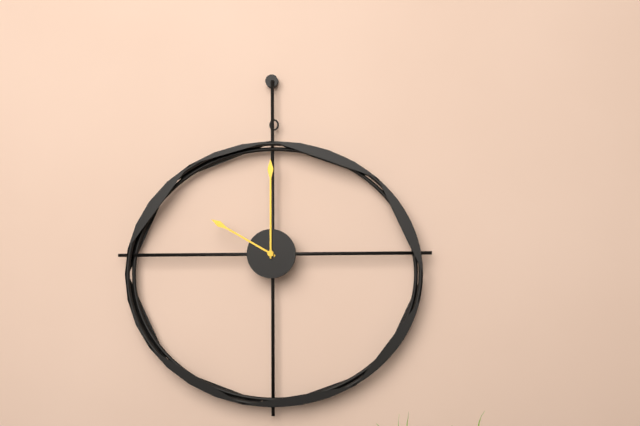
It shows {"hour": 10, "minute": 0}
